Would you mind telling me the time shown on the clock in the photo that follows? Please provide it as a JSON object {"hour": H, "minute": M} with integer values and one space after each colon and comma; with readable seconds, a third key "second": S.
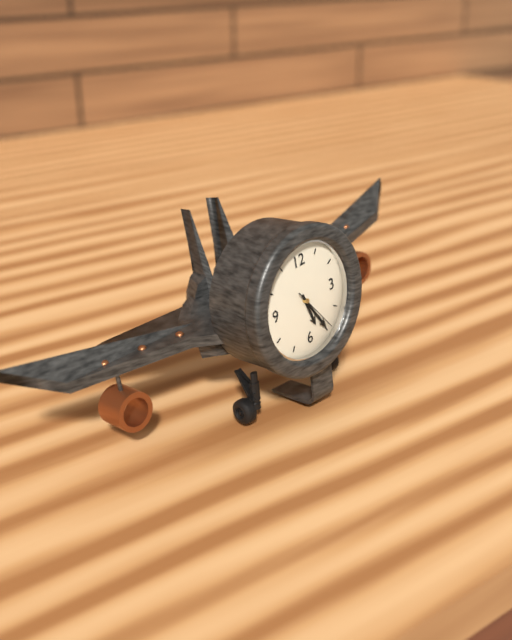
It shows {"hour": 5, "minute": 25, "second": 24}
